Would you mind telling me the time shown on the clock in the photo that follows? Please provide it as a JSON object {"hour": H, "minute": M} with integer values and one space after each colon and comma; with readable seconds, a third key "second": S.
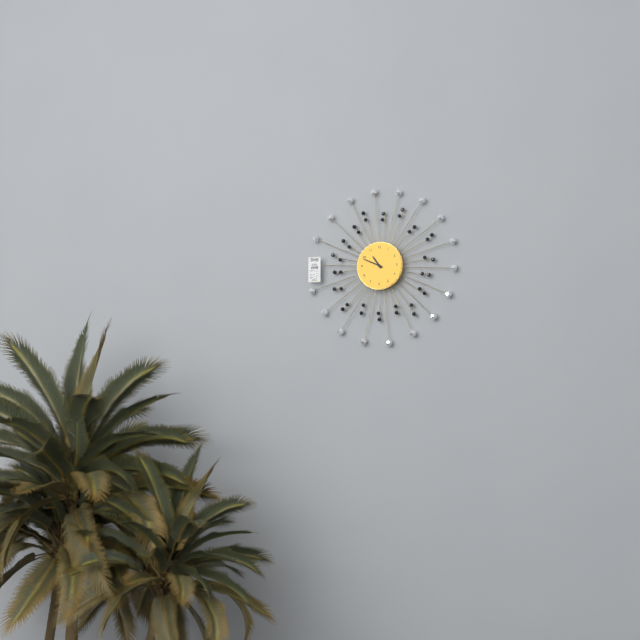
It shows {"hour": 10, "minute": 49}
